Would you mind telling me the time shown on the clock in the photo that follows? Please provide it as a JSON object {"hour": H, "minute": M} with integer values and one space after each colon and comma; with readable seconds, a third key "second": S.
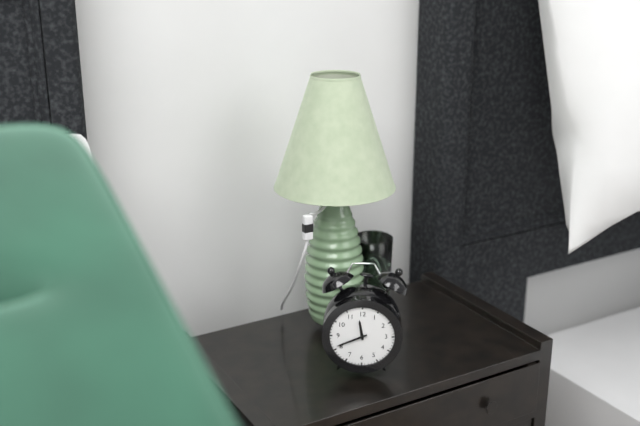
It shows {"hour": 11, "minute": 41}
